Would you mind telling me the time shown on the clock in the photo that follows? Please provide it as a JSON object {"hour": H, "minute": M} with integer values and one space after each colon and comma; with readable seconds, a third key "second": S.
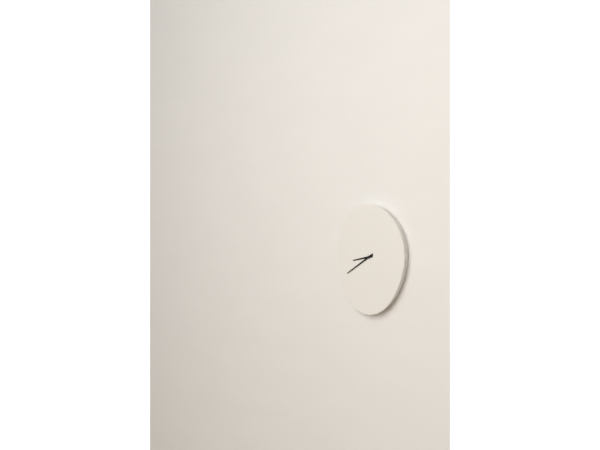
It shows {"hour": 8, "minute": 40}
